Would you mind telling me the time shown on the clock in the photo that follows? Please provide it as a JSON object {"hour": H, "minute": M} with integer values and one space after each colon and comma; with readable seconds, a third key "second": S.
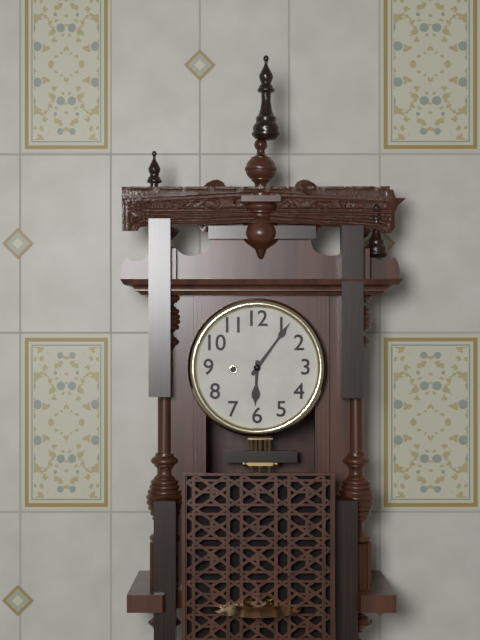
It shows {"hour": 6, "minute": 6}
